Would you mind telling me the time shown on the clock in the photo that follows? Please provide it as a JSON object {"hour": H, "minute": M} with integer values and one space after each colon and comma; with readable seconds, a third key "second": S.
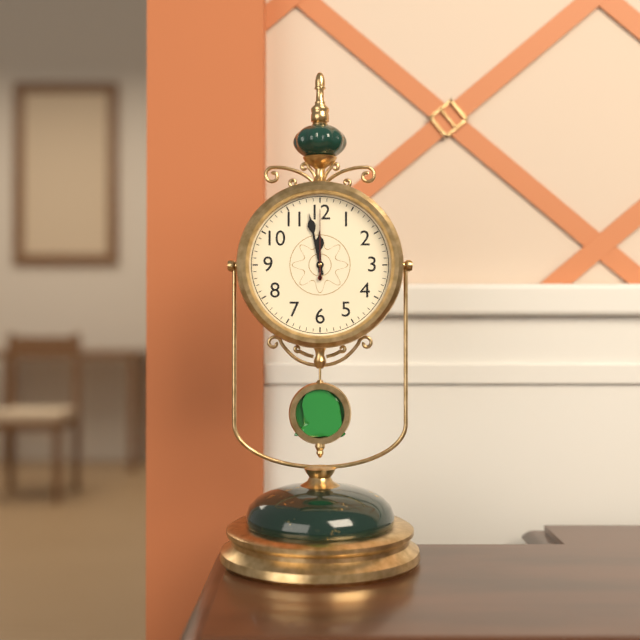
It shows {"hour": 11, "minute": 58, "second": 0}
